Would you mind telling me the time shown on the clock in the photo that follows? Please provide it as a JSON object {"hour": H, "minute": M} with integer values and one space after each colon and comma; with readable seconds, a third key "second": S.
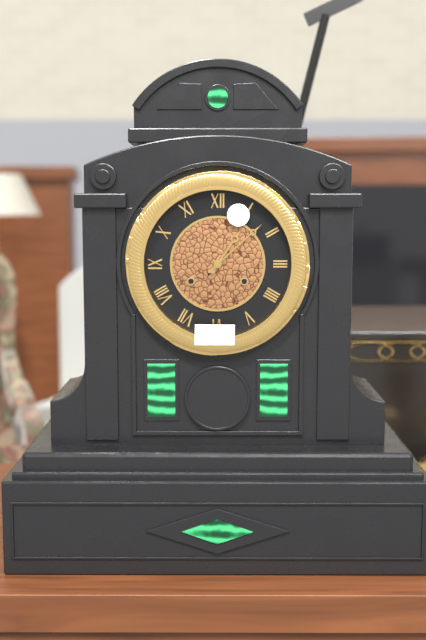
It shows {"hour": 1, "minute": 8}
